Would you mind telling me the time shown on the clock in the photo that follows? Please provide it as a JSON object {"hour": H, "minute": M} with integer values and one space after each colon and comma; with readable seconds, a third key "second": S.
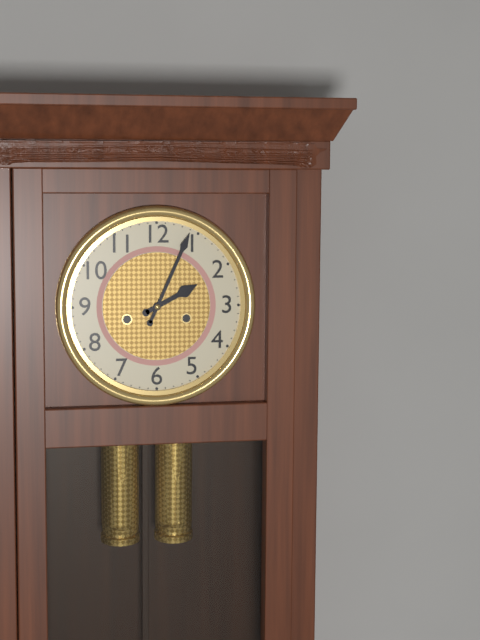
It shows {"hour": 2, "minute": 4}
